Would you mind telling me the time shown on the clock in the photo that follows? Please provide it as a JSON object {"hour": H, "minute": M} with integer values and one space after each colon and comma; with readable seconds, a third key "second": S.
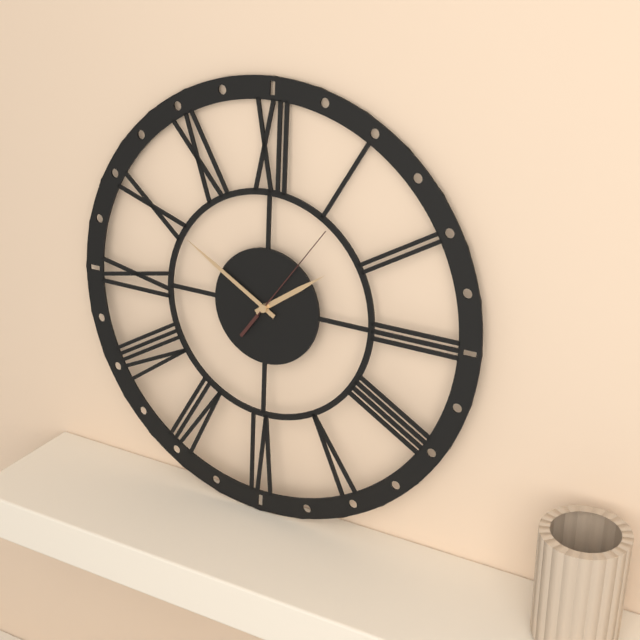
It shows {"hour": 1, "minute": 50, "second": 6}
